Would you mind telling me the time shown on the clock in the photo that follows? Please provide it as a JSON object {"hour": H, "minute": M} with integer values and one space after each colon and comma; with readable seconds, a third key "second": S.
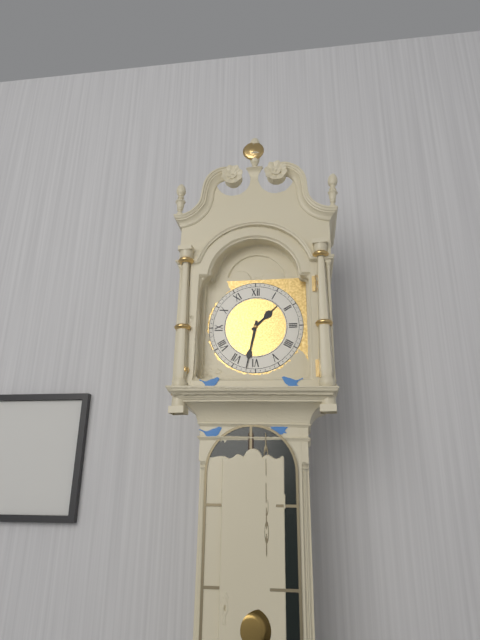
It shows {"hour": 1, "minute": 32}
